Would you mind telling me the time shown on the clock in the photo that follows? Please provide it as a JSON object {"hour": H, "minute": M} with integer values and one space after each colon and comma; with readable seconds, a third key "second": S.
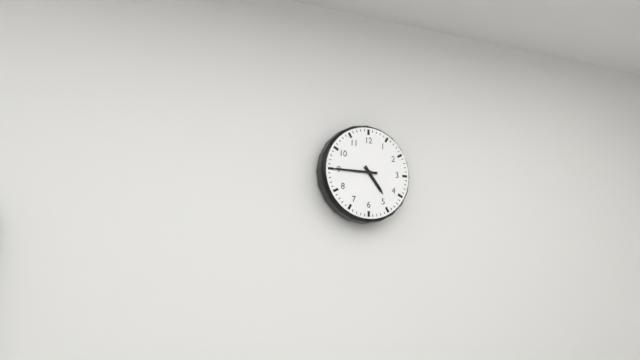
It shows {"hour": 4, "minute": 45}
